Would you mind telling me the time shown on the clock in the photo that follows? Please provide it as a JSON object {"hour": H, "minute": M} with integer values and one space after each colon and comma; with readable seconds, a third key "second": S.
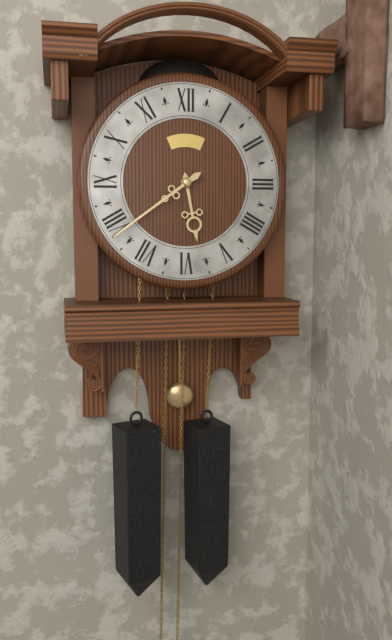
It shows {"hour": 5, "minute": 39}
